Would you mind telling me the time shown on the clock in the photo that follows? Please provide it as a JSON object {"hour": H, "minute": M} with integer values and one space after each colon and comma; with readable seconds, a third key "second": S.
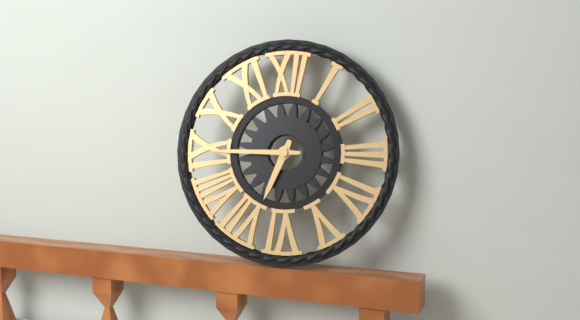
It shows {"hour": 6, "minute": 45}
